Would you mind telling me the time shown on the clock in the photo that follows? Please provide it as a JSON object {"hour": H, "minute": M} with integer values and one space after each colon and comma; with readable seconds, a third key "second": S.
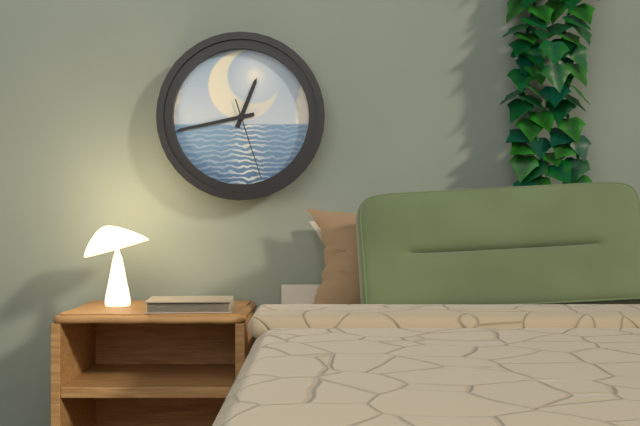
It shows {"hour": 12, "minute": 43, "second": 27}
